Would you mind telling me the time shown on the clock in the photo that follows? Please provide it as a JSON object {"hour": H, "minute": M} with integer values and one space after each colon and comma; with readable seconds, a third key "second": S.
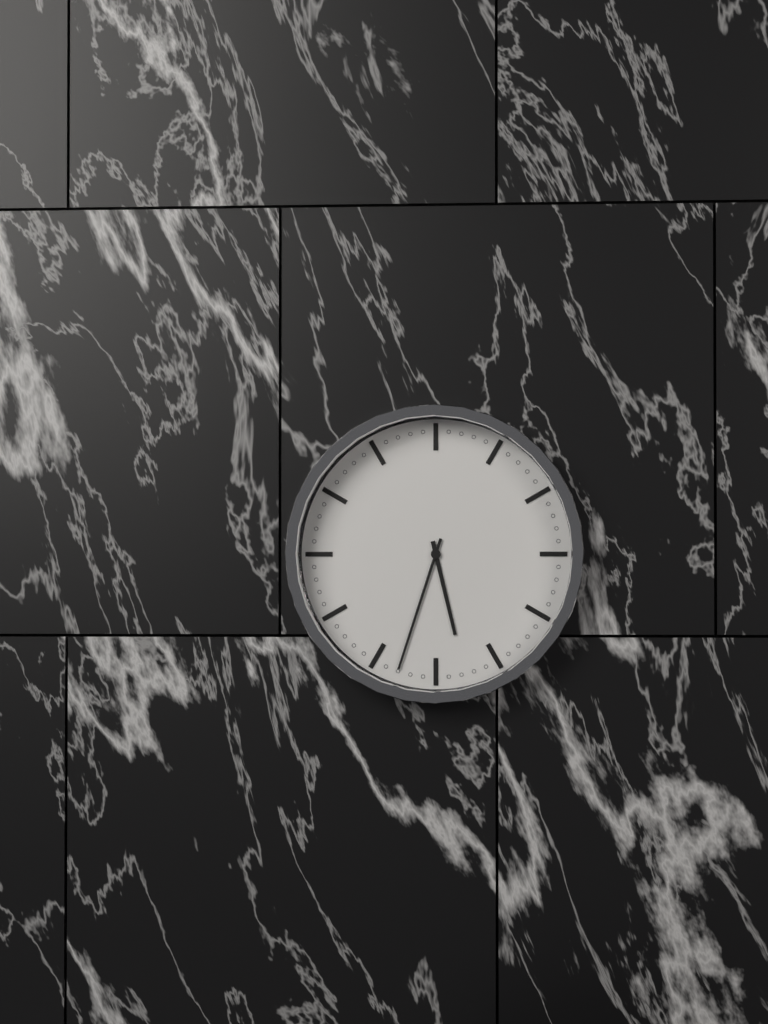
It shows {"hour": 5, "minute": 33}
